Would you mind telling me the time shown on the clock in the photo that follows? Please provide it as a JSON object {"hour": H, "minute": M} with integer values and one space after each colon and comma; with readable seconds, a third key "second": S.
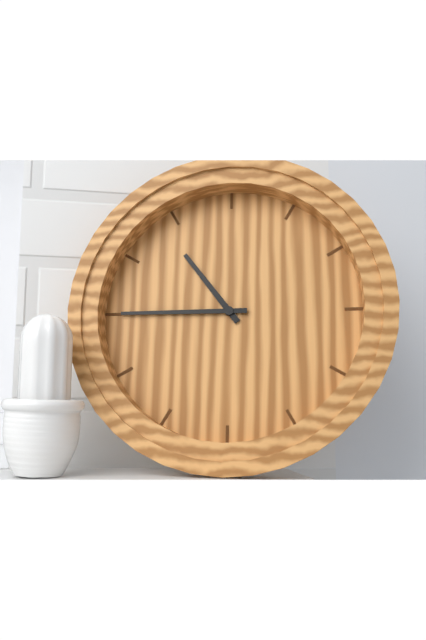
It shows {"hour": 10, "minute": 45}
